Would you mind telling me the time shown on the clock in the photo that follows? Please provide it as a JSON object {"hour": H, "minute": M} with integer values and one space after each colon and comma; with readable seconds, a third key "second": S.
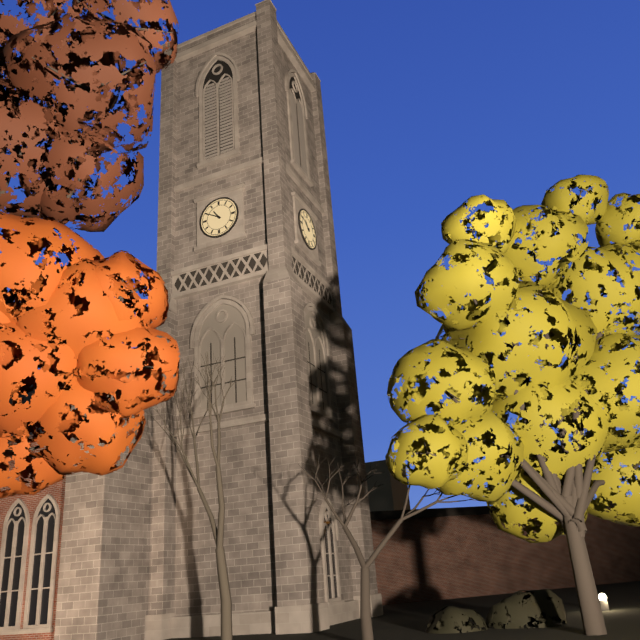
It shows {"hour": 10, "minute": 50}
